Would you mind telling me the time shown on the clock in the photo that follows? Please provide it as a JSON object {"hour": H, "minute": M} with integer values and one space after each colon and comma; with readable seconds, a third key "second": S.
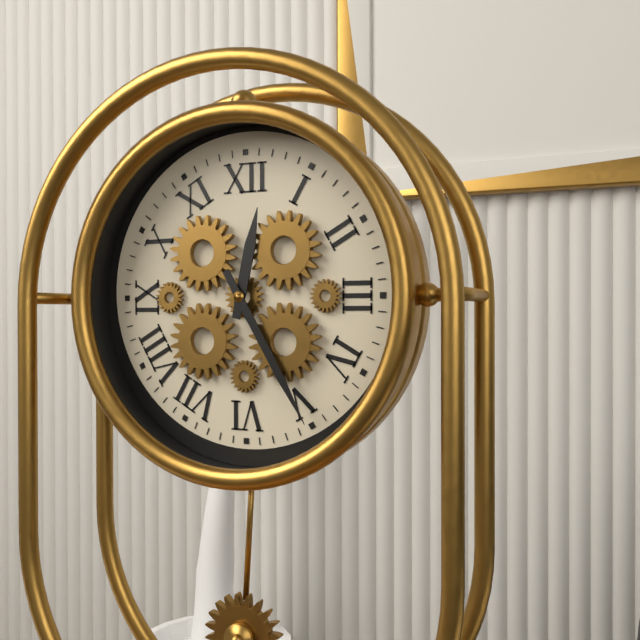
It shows {"hour": 12, "minute": 25}
